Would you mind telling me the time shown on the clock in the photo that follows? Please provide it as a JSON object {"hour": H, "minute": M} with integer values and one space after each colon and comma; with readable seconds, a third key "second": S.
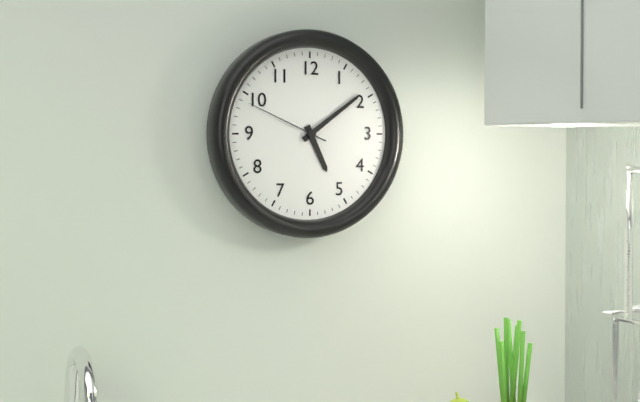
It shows {"hour": 5, "minute": 9, "second": 49}
